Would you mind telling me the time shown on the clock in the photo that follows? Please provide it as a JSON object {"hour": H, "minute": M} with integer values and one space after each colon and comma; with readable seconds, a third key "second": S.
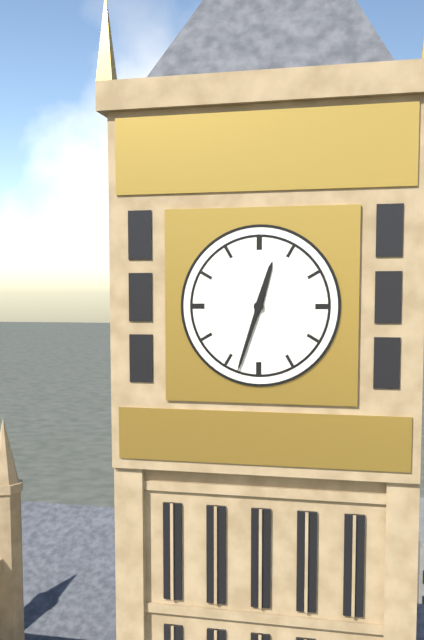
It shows {"hour": 12, "minute": 33}
